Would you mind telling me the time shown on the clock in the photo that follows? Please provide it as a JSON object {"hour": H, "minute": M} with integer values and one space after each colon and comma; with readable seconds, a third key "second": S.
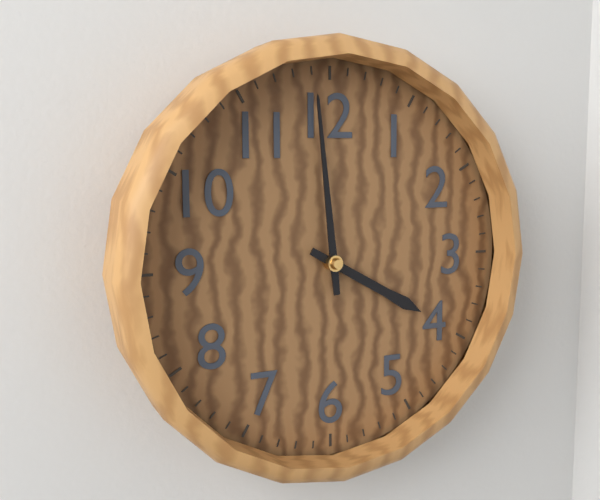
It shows {"hour": 3, "minute": 59}
